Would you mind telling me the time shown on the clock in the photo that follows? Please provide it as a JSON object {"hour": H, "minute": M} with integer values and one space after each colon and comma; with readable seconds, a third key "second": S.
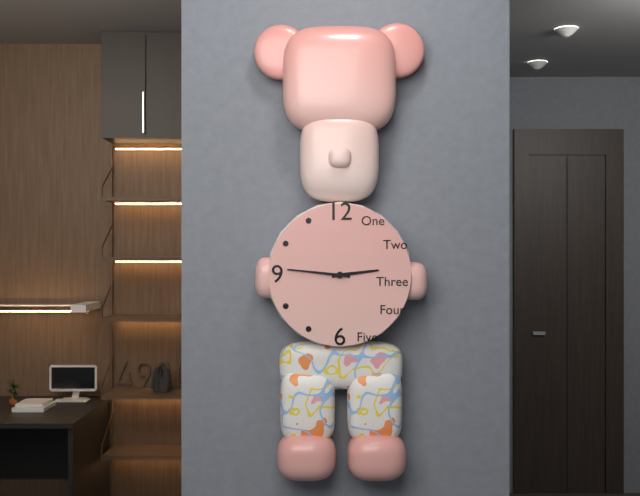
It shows {"hour": 2, "minute": 46}
